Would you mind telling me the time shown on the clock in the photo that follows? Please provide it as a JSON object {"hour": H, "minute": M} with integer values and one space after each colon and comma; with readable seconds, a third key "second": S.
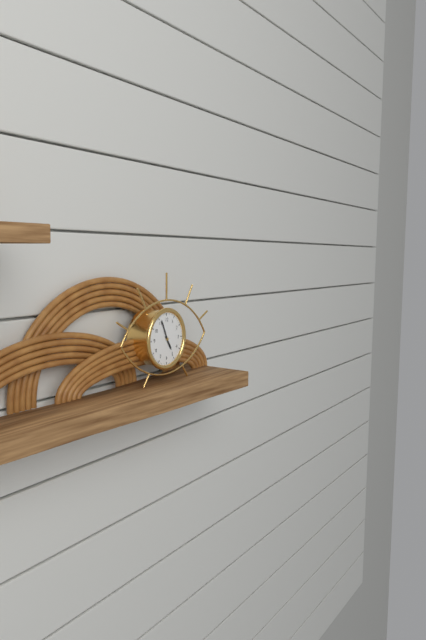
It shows {"hour": 4, "minute": 56}
